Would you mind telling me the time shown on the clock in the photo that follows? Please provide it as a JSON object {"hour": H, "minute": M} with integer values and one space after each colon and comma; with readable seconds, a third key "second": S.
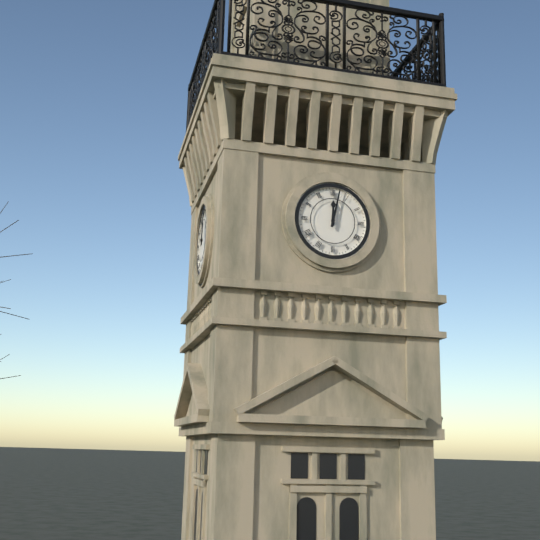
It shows {"hour": 12, "minute": 2}
